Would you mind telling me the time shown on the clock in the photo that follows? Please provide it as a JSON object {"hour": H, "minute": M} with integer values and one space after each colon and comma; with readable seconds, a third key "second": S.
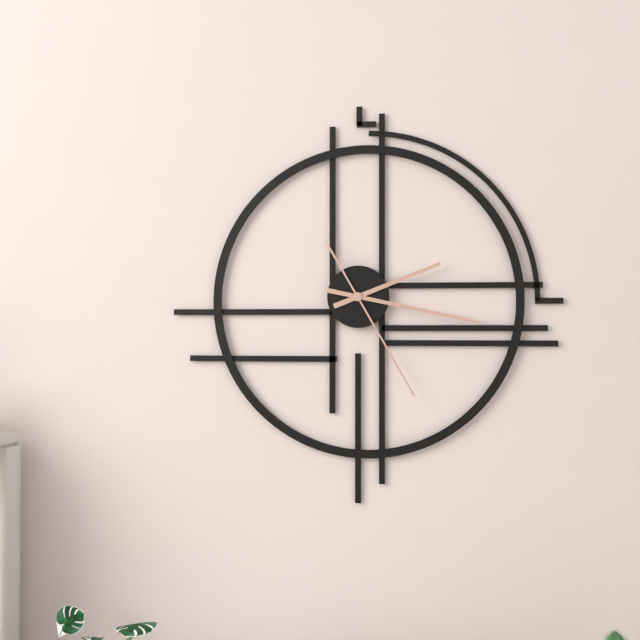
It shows {"hour": 2, "minute": 17, "second": 25}
